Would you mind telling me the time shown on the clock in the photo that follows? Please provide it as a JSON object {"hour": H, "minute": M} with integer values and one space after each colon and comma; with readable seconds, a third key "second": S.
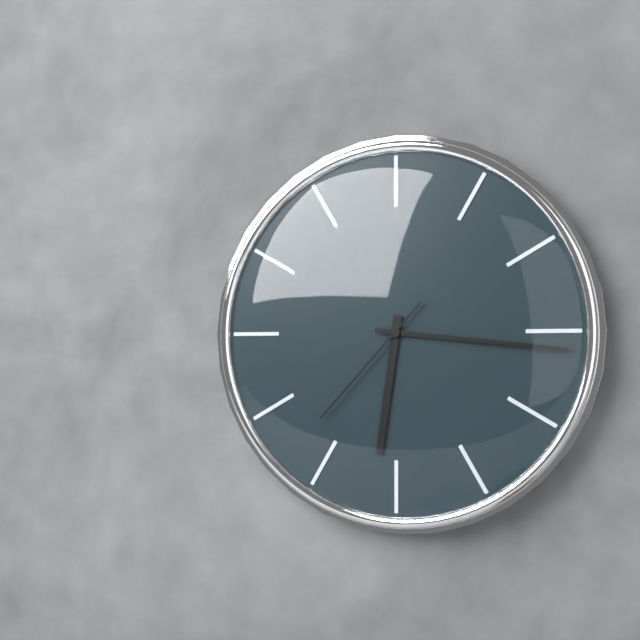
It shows {"hour": 6, "minute": 16, "second": 37}
